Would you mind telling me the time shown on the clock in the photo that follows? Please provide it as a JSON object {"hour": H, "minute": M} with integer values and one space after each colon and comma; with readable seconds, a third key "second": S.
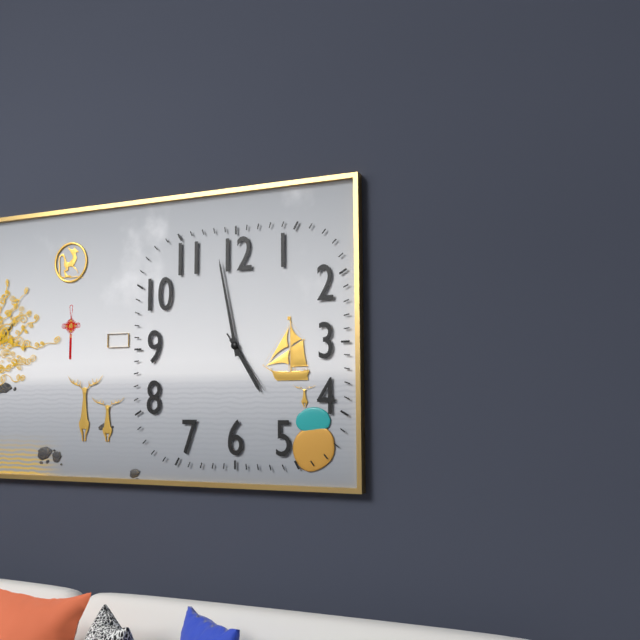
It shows {"hour": 4, "minute": 58, "second": 24}
